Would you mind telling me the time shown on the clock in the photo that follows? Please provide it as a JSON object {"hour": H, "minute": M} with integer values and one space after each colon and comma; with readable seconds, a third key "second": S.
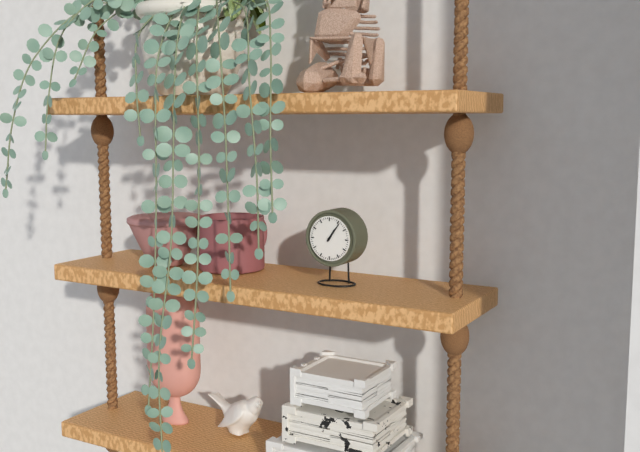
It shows {"hour": 1, "minute": 6}
